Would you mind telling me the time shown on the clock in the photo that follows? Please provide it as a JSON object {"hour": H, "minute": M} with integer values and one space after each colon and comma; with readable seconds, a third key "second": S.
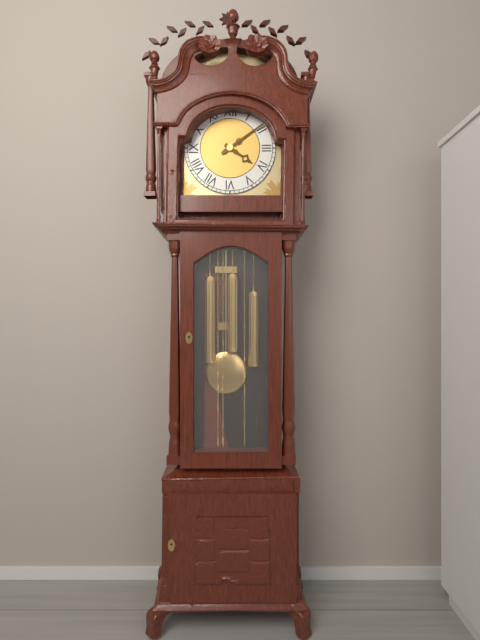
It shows {"hour": 4, "minute": 9}
